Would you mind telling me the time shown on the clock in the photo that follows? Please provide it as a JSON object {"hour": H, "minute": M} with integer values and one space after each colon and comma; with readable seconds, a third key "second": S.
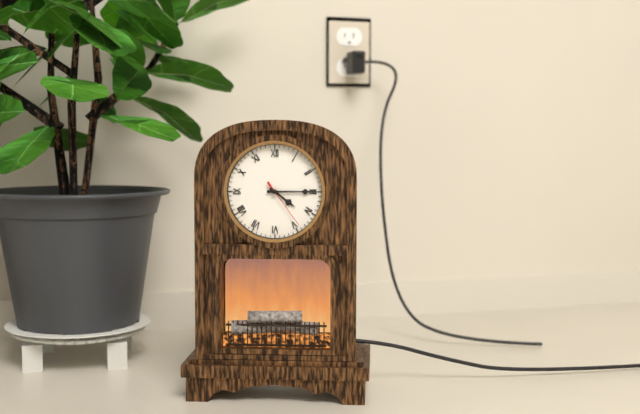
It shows {"hour": 4, "minute": 15, "second": 24}
